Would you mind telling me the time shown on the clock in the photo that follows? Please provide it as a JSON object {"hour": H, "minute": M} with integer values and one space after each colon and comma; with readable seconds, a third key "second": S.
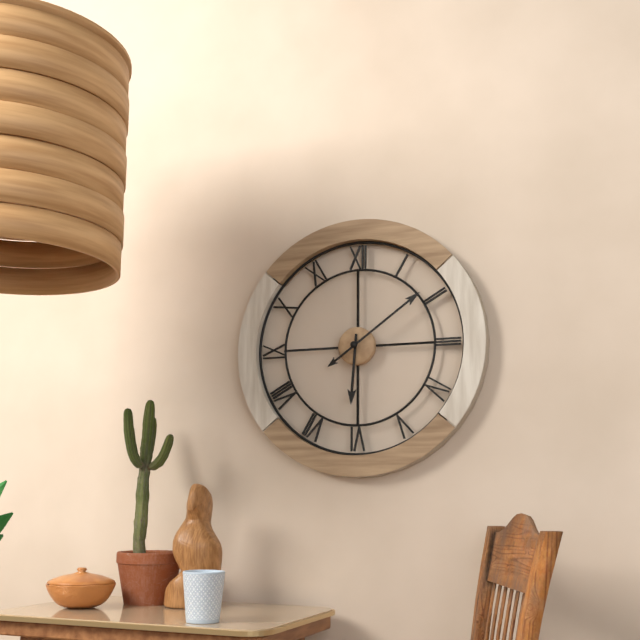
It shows {"hour": 6, "minute": 9}
